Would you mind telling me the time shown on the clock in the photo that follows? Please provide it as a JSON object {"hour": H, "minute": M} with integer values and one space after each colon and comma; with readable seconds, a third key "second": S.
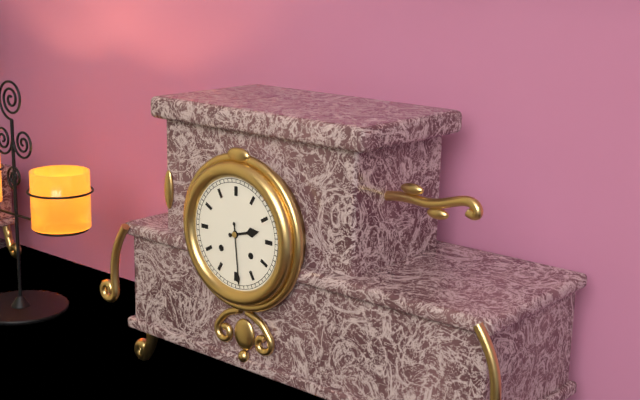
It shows {"hour": 2, "minute": 29}
